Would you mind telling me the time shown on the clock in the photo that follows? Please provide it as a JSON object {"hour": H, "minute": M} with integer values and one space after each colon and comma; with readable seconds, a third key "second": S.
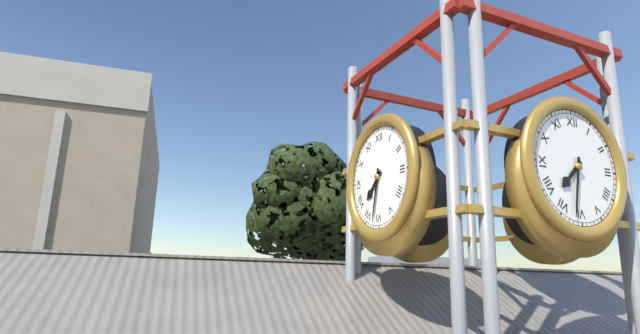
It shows {"hour": 7, "minute": 32}
